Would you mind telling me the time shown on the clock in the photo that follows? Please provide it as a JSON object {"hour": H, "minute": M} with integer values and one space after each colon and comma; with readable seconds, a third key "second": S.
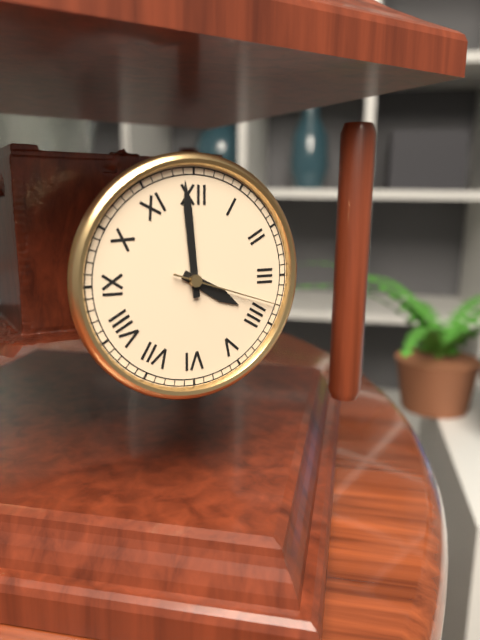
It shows {"hour": 3, "minute": 59, "second": 18}
